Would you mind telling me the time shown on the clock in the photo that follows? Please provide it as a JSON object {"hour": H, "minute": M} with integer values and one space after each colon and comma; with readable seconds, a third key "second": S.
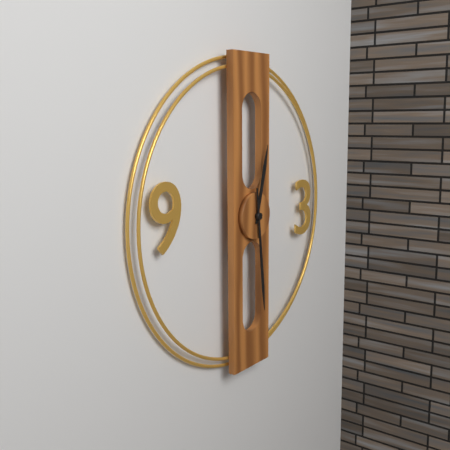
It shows {"hour": 12, "minute": 29}
